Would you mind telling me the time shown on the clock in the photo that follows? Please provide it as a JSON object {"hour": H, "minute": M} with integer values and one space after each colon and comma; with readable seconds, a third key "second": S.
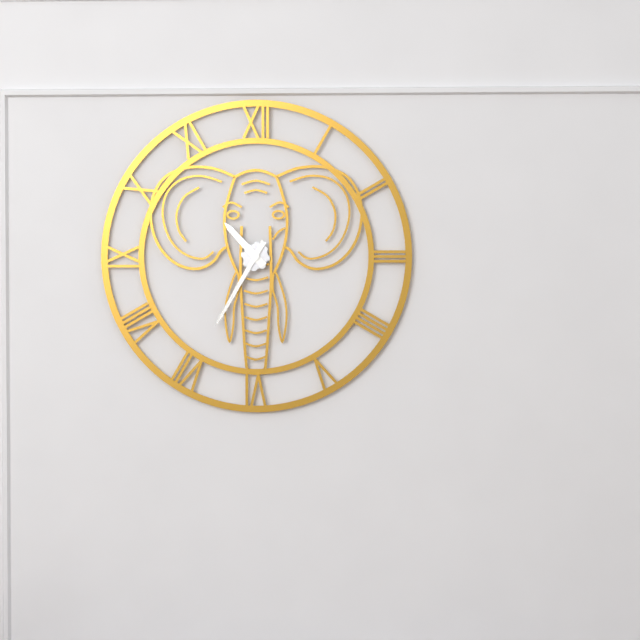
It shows {"hour": 10, "minute": 35}
